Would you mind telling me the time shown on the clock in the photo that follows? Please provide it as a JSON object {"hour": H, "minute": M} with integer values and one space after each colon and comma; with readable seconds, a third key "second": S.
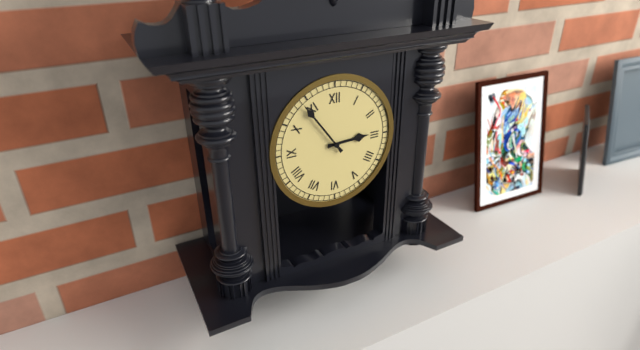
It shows {"hour": 2, "minute": 54}
